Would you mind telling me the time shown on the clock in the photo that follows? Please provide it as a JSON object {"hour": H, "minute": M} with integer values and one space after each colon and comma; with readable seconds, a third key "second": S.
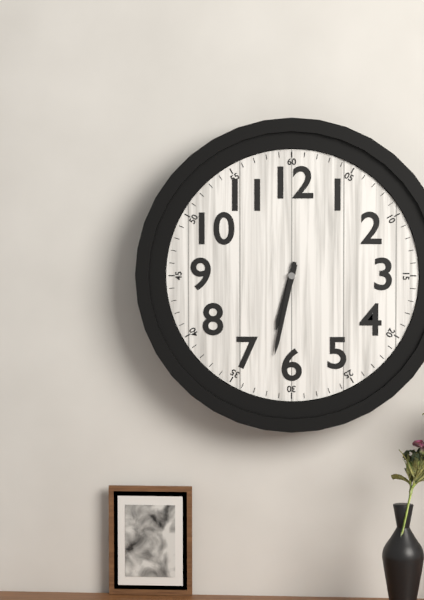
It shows {"hour": 6, "minute": 32}
